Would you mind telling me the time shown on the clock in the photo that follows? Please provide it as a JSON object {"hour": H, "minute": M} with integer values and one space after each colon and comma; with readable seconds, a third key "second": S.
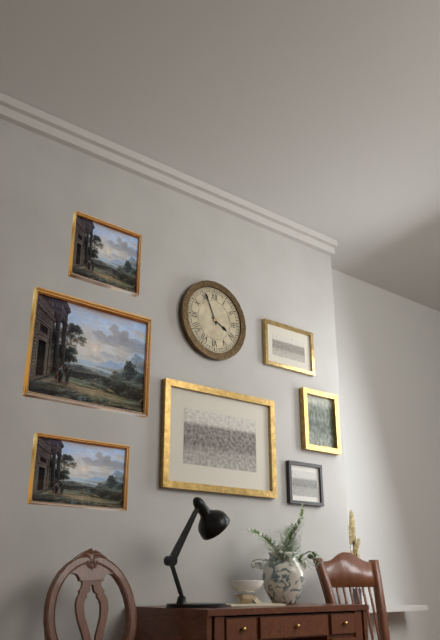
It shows {"hour": 3, "minute": 56}
